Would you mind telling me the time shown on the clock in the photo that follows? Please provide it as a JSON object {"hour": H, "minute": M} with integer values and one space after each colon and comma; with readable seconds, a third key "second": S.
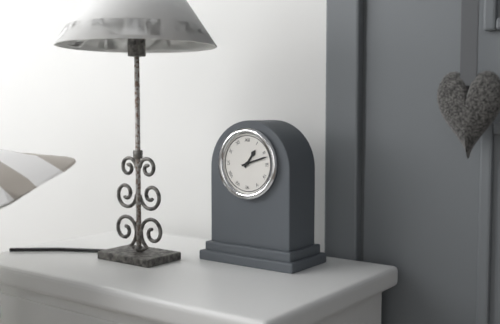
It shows {"hour": 1, "minute": 12}
